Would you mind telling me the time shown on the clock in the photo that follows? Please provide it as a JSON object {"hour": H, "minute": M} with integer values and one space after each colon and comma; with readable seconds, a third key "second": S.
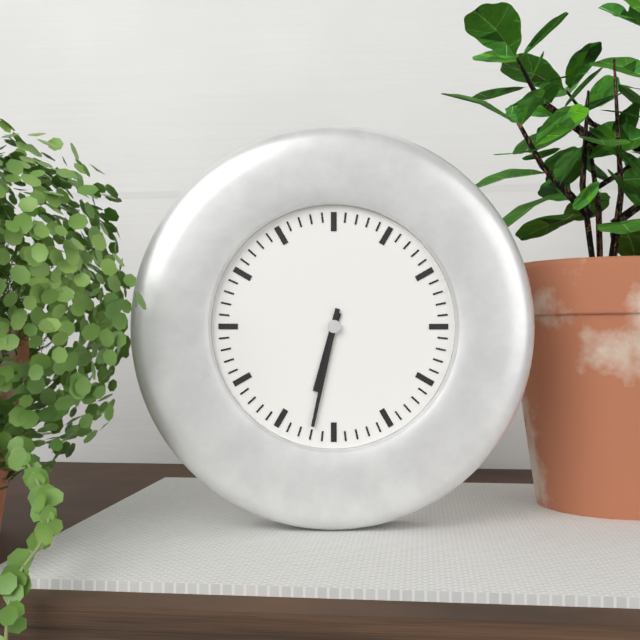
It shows {"hour": 6, "minute": 32}
